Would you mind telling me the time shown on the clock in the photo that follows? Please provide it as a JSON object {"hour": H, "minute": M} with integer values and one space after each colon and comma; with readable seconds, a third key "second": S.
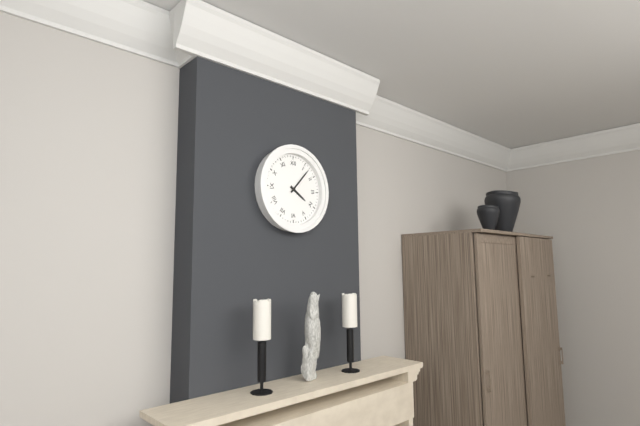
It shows {"hour": 4, "minute": 7}
